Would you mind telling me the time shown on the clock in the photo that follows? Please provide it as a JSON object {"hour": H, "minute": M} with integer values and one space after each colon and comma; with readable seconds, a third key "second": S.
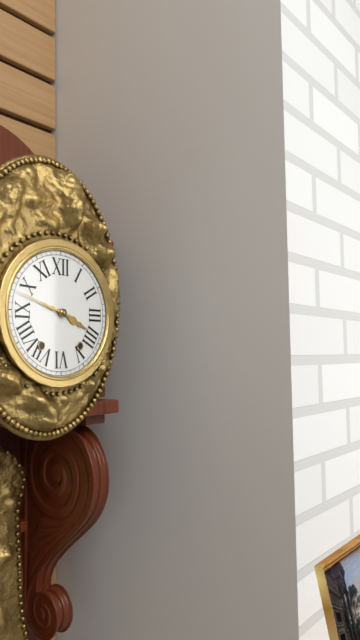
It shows {"hour": 3, "minute": 48}
